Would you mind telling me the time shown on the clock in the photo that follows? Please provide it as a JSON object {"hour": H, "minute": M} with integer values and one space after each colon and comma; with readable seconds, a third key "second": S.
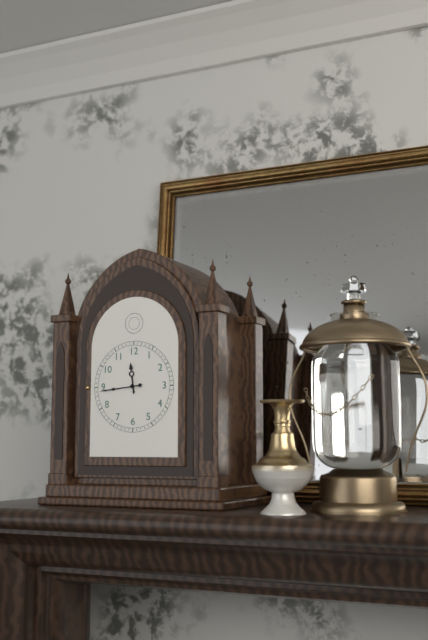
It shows {"hour": 11, "minute": 44}
